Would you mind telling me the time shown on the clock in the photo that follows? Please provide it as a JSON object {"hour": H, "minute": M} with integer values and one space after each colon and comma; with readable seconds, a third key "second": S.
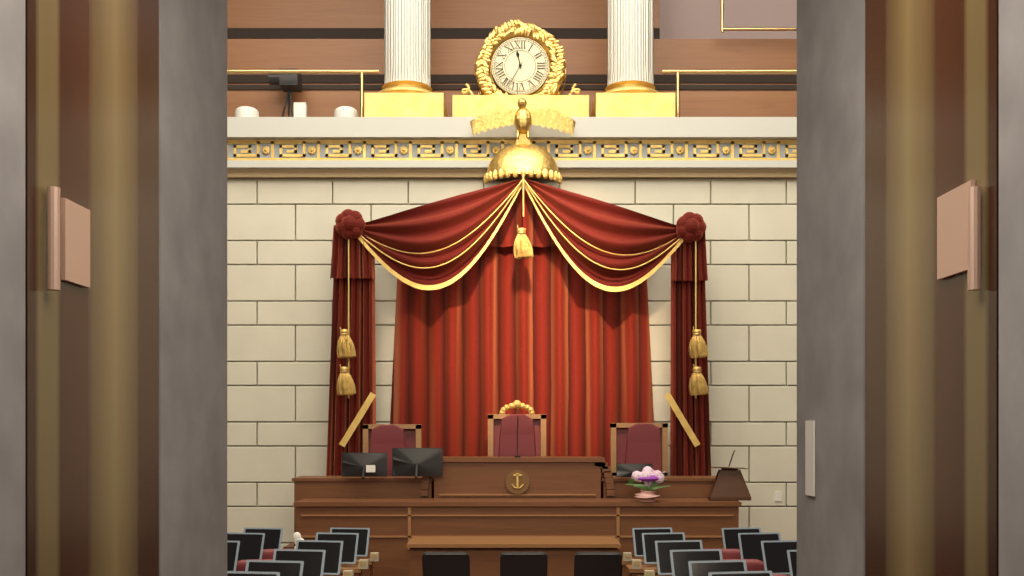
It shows {"hour": 11, "minute": 35}
